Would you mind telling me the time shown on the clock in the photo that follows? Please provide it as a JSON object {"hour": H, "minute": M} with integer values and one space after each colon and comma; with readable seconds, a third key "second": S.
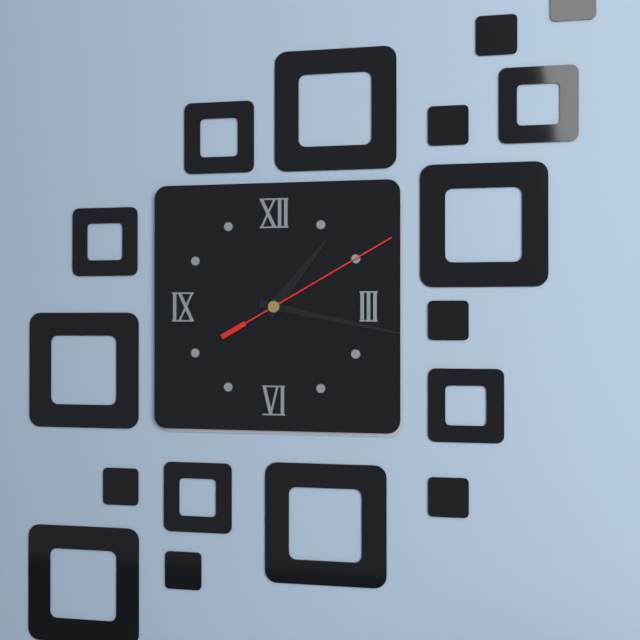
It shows {"hour": 1, "minute": 17, "second": 10}
